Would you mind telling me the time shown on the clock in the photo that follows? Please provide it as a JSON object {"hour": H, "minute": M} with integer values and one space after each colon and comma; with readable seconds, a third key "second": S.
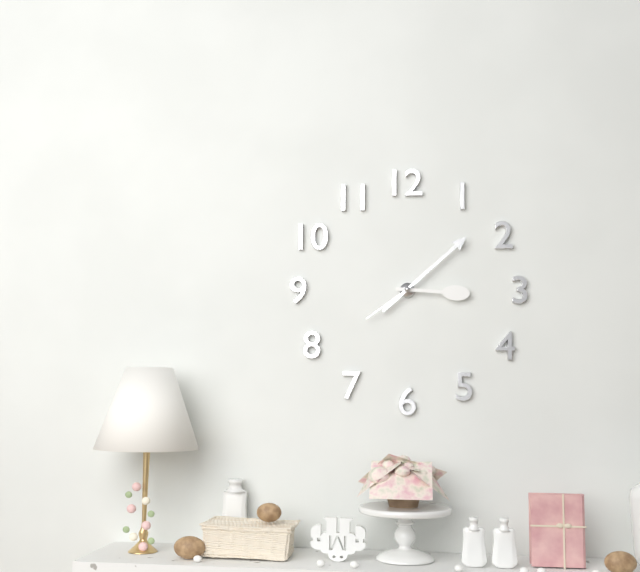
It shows {"hour": 3, "minute": 8, "second": 39}
